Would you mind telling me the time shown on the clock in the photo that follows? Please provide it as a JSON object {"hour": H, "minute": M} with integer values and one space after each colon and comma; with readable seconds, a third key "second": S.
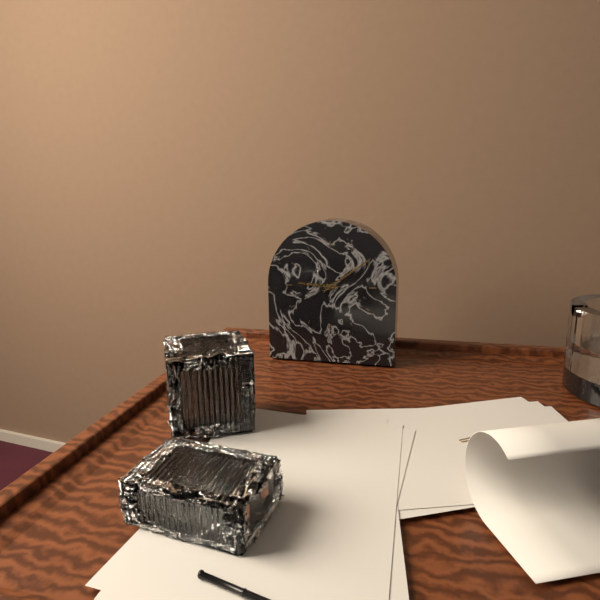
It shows {"hour": 9, "minute": 9}
